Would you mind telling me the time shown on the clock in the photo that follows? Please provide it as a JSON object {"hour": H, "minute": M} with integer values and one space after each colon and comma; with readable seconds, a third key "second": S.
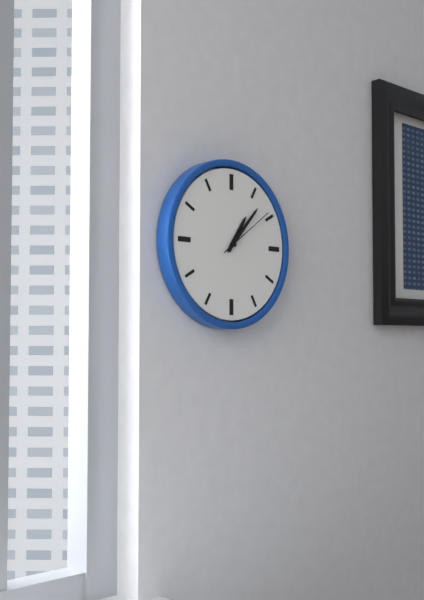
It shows {"hour": 1, "minute": 7, "second": 9}
